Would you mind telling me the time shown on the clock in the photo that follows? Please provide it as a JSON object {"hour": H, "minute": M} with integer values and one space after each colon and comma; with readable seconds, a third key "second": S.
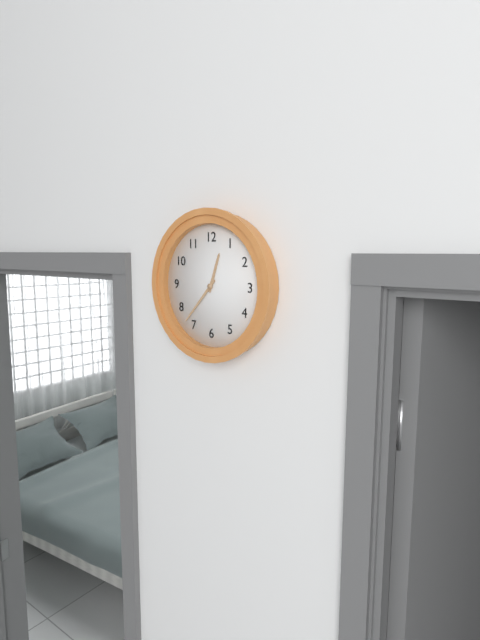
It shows {"hour": 12, "minute": 37}
